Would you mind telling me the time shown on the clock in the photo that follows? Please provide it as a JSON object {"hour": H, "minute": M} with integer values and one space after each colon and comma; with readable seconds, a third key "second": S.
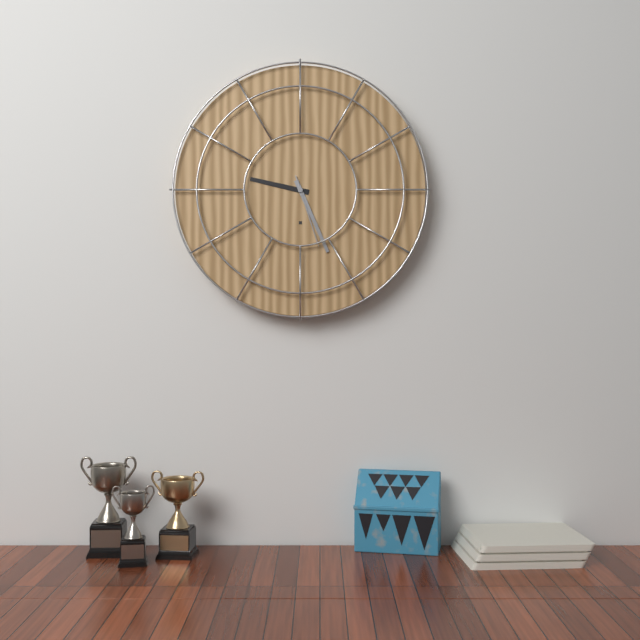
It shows {"hour": 9, "minute": 26, "second": 27}
